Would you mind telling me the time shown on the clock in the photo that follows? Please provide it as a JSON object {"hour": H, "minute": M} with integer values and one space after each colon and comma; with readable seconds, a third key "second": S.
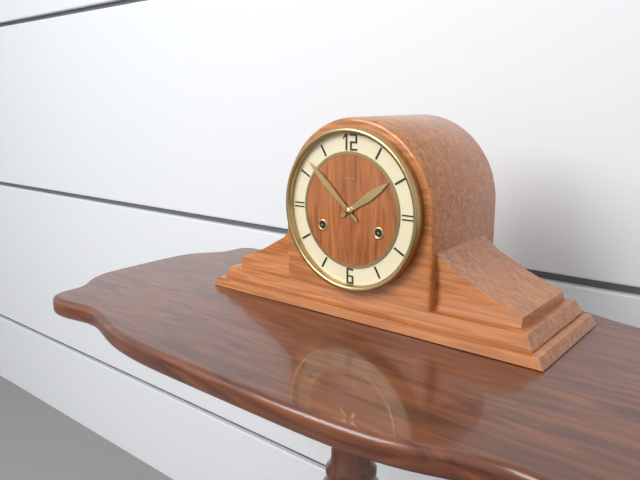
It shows {"hour": 1, "minute": 52}
